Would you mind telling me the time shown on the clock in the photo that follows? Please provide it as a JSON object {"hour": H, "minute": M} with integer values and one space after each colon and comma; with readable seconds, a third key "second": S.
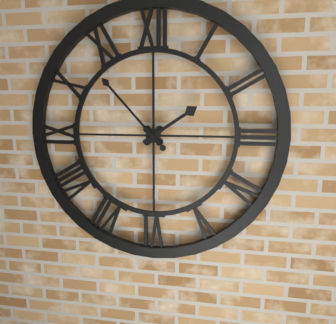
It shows {"hour": 1, "minute": 53}
